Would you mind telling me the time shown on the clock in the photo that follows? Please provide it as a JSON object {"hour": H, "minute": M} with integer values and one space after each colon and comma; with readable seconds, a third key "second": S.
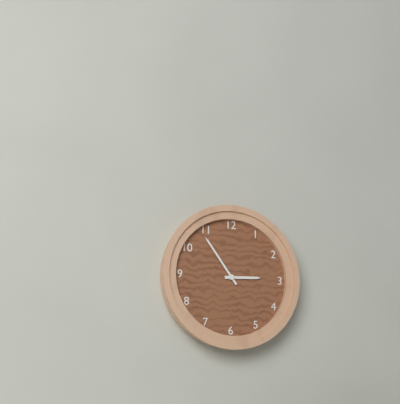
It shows {"hour": 2, "minute": 54}
